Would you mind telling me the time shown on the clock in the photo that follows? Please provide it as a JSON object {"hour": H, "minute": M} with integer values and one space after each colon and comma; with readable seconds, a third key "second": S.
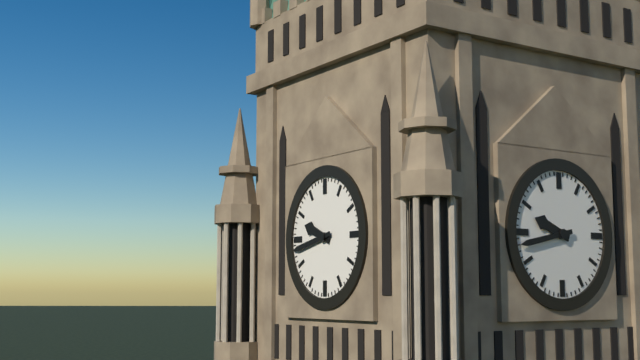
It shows {"hour": 9, "minute": 43}
